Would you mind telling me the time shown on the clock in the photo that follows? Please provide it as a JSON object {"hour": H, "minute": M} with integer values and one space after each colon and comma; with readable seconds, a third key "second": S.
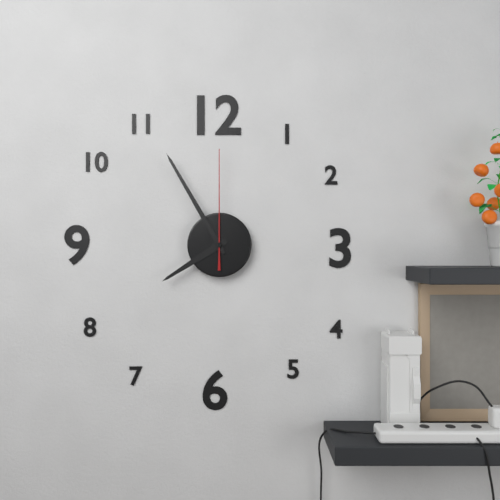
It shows {"hour": 7, "minute": 55, "second": 0}
